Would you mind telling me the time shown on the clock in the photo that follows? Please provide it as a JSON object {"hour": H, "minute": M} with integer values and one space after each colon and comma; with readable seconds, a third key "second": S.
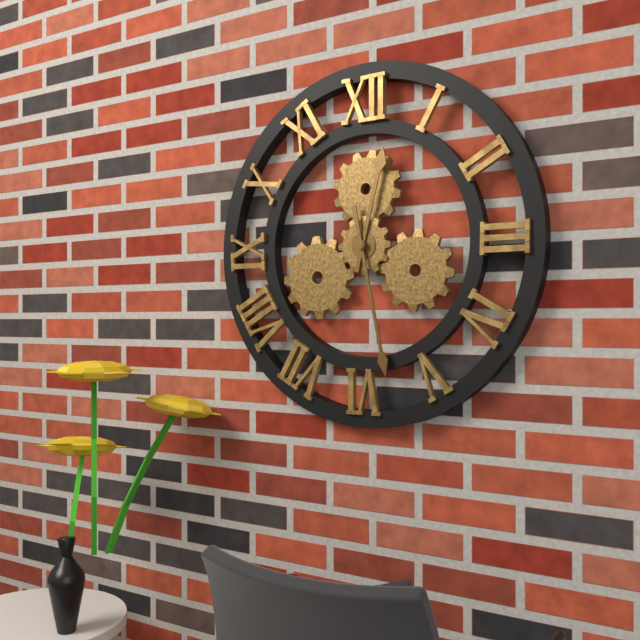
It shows {"hour": 12, "minute": 28}
